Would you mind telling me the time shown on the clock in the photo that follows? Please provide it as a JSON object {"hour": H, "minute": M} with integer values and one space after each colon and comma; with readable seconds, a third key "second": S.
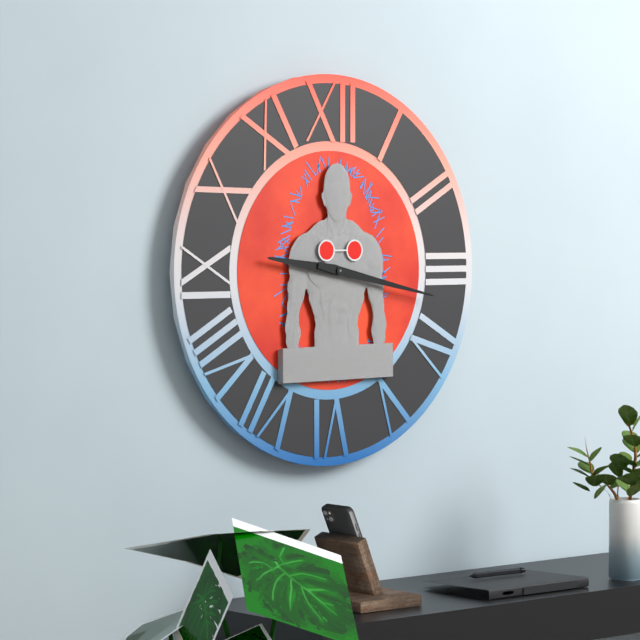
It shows {"hour": 9, "minute": 17}
